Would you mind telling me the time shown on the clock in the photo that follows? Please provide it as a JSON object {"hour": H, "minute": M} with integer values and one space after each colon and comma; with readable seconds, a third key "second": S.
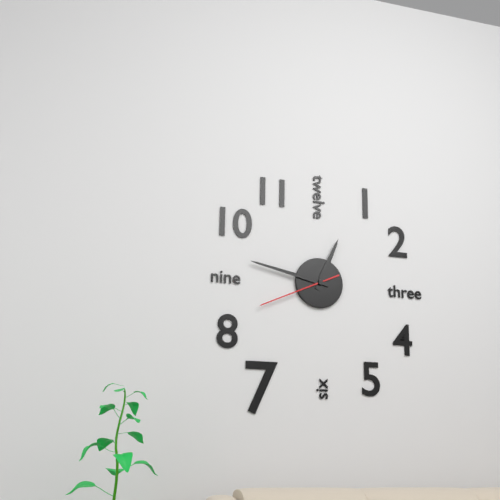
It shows {"hour": 12, "minute": 47, "second": 41}
